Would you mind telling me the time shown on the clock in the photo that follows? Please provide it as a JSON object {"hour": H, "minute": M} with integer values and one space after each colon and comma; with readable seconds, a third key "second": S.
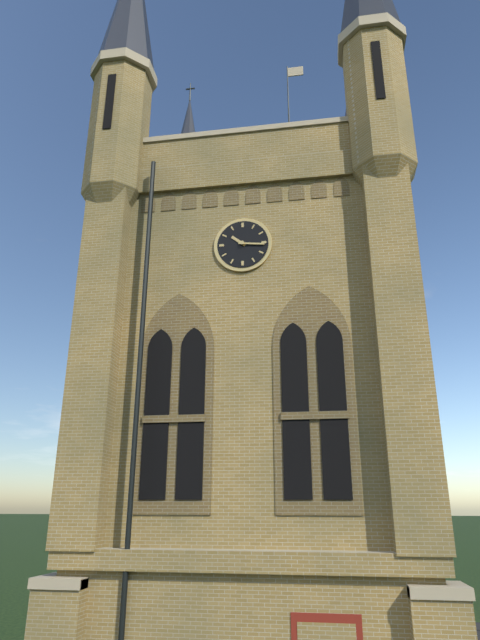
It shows {"hour": 10, "minute": 16}
